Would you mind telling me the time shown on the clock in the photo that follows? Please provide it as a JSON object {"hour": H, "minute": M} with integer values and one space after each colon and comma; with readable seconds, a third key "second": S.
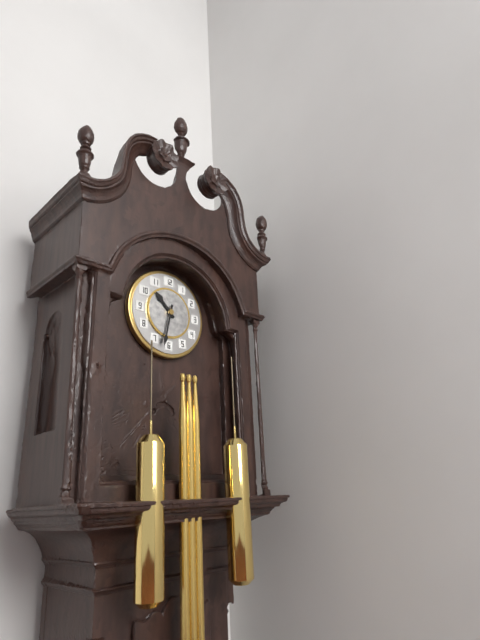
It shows {"hour": 10, "minute": 32}
